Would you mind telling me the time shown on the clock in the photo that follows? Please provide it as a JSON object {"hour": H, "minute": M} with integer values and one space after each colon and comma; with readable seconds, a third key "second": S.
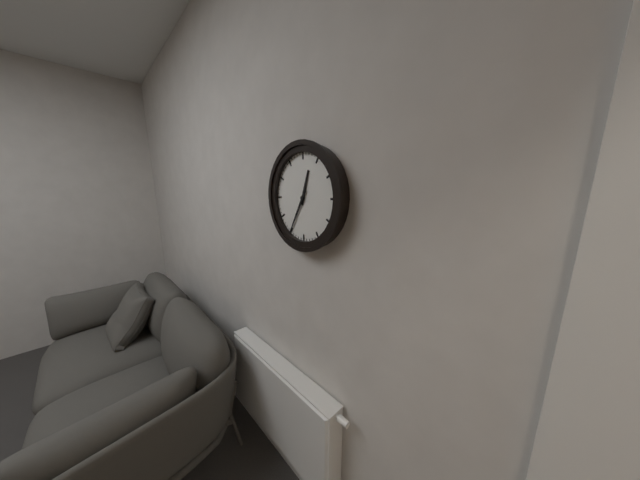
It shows {"hour": 12, "minute": 35}
